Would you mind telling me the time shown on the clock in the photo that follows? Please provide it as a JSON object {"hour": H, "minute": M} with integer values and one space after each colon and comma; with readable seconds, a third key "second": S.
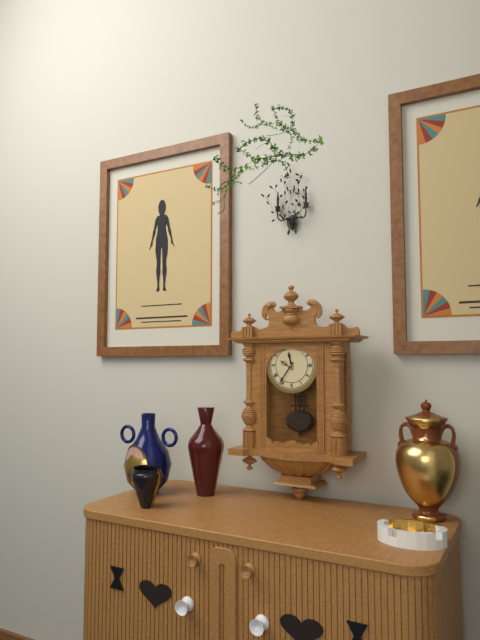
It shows {"hour": 11, "minute": 36}
